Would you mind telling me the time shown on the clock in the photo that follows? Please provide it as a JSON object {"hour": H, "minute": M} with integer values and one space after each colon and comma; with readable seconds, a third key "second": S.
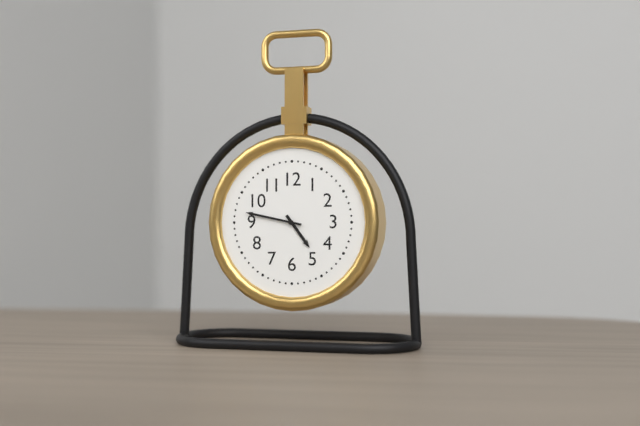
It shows {"hour": 4, "minute": 47}
